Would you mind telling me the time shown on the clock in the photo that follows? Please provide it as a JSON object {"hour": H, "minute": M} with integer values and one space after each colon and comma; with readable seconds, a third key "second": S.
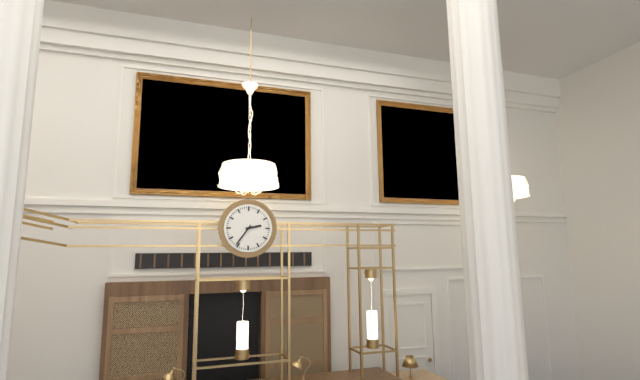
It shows {"hour": 2, "minute": 36}
